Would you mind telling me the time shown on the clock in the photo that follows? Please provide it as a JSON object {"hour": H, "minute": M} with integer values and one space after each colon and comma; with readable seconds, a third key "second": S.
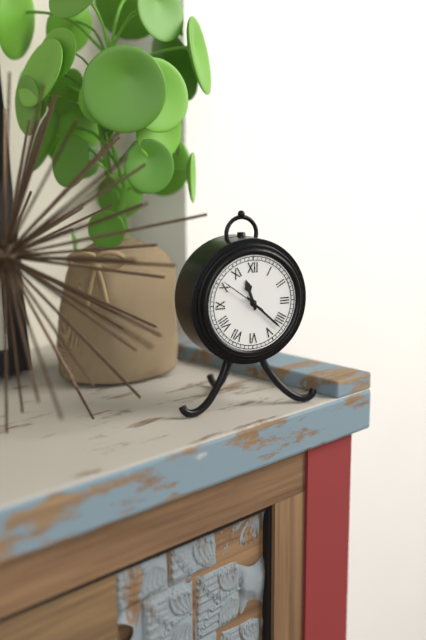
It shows {"hour": 11, "minute": 22}
